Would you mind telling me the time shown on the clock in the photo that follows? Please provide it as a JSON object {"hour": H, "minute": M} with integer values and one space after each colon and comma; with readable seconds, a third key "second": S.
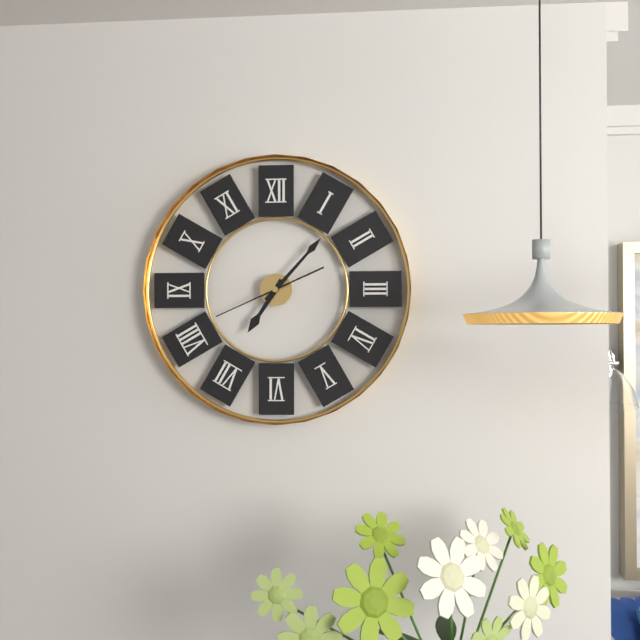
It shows {"hour": 7, "minute": 7, "second": 41}
